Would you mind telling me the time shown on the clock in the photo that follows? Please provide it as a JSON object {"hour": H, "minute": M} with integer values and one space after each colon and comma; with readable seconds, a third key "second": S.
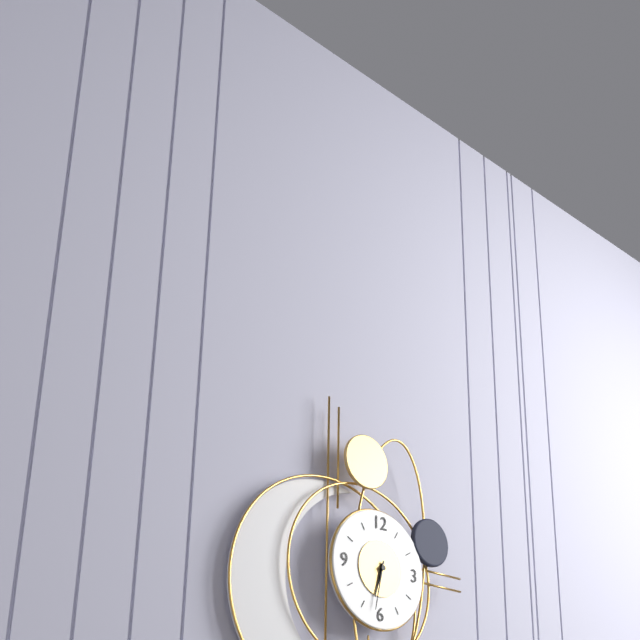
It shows {"hour": 6, "minute": 32}
